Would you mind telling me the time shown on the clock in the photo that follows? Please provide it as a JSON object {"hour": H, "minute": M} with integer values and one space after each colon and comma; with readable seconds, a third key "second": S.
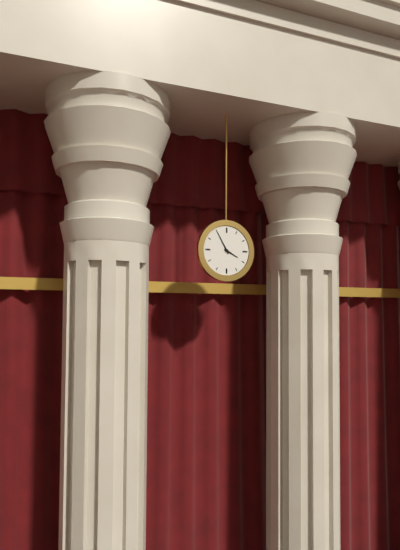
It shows {"hour": 3, "minute": 55}
